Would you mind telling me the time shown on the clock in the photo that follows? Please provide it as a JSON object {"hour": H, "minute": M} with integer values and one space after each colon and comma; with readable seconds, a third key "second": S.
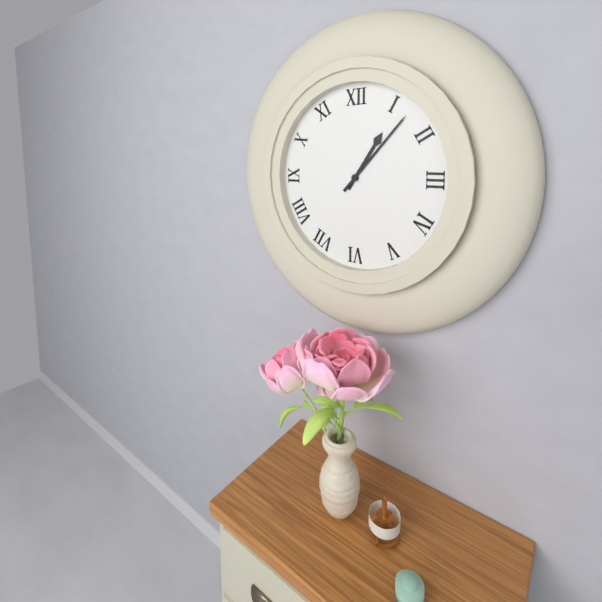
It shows {"hour": 1, "minute": 7}
